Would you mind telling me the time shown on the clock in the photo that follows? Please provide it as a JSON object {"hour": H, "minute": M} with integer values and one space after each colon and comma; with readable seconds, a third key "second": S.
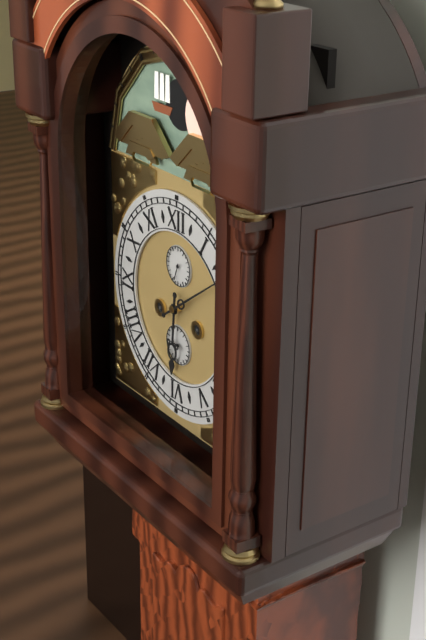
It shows {"hour": 6, "minute": 9}
